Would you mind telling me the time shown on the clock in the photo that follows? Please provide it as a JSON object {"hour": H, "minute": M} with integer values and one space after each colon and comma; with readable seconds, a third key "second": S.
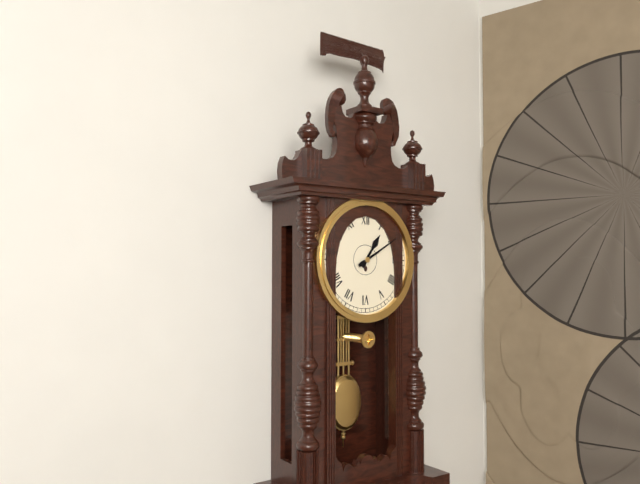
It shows {"hour": 1, "minute": 10}
